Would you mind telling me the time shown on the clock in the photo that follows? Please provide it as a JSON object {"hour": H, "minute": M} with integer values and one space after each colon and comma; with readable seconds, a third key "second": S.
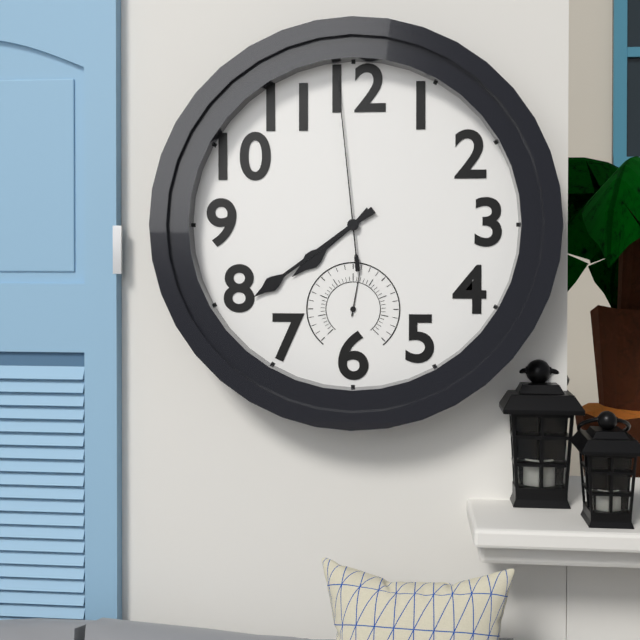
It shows {"hour": 7, "minute": 39, "second": 59}
